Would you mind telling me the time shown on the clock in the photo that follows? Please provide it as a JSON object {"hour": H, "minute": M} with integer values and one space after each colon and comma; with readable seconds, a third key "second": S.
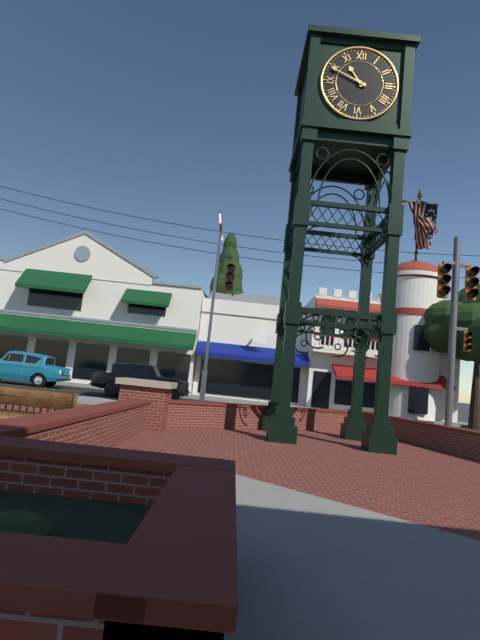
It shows {"hour": 10, "minute": 49}
